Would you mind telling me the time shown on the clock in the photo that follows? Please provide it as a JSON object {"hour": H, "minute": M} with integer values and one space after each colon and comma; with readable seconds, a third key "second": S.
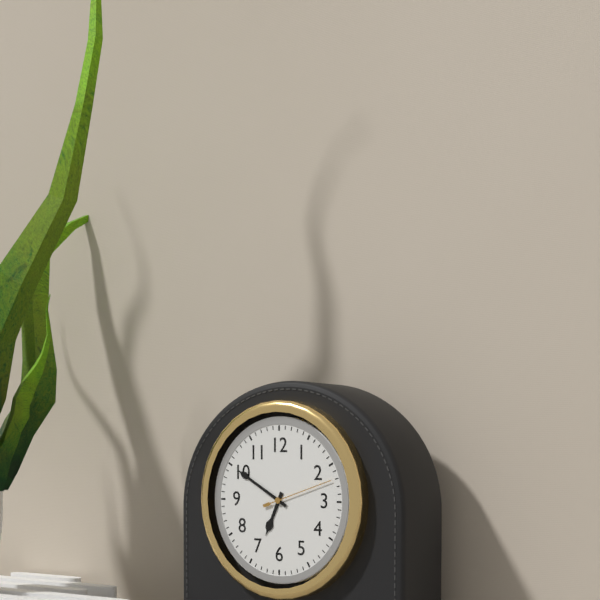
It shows {"hour": 6, "minute": 50, "second": 12}
